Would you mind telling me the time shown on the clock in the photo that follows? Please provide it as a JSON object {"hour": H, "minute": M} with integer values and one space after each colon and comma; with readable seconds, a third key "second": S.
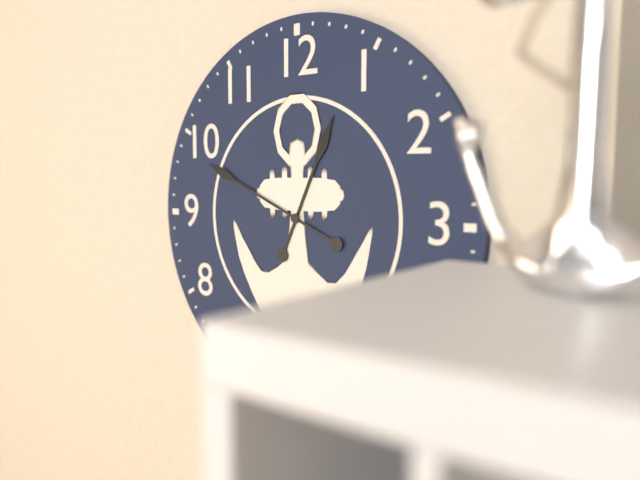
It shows {"hour": 12, "minute": 49}
